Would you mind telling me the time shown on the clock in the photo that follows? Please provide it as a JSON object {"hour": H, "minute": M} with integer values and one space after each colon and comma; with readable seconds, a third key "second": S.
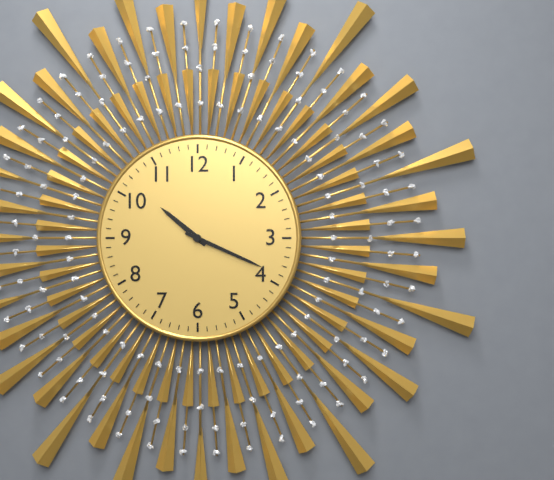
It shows {"hour": 10, "minute": 19}
